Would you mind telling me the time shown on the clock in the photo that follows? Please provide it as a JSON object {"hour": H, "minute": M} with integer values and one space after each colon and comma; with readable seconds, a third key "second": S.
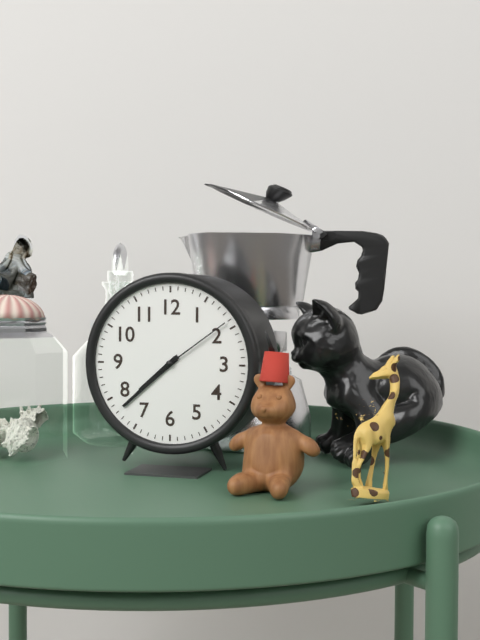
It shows {"hour": 7, "minute": 38, "second": 9}
